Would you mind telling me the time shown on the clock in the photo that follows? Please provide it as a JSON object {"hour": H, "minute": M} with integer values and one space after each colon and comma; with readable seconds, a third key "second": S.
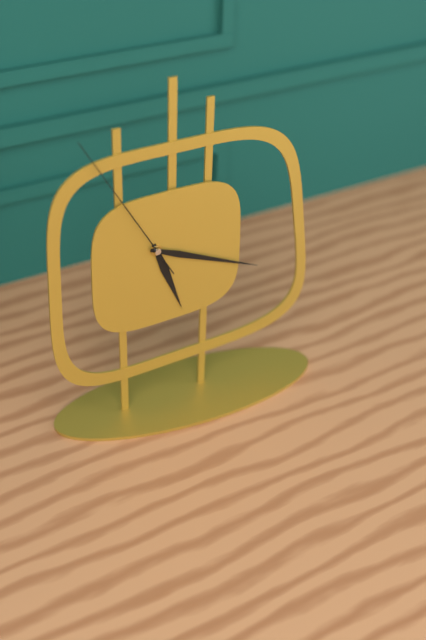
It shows {"hour": 5, "minute": 19, "second": 55}
